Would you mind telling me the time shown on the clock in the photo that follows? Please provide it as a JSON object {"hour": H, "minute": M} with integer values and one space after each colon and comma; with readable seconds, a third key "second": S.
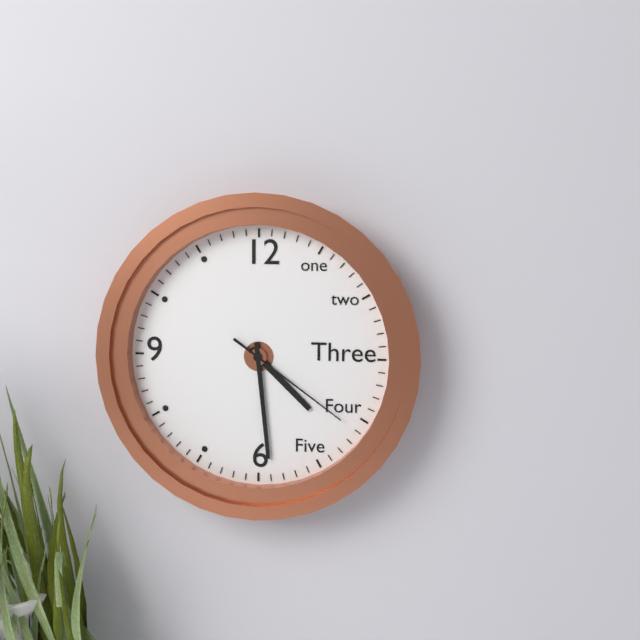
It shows {"hour": 4, "minute": 29, "second": 21}
